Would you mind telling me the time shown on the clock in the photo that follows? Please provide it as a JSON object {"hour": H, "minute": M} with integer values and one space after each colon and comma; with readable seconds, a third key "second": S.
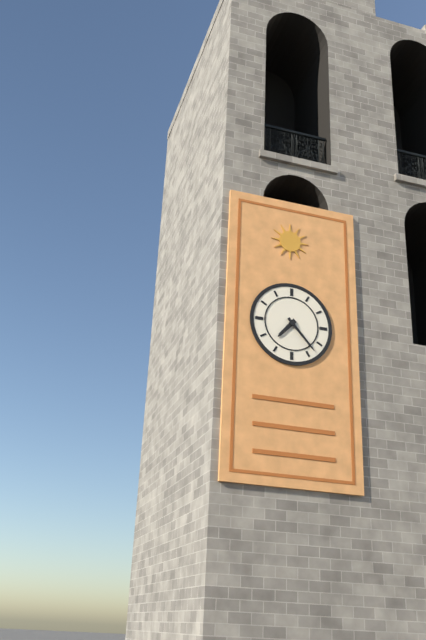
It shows {"hour": 7, "minute": 23}
